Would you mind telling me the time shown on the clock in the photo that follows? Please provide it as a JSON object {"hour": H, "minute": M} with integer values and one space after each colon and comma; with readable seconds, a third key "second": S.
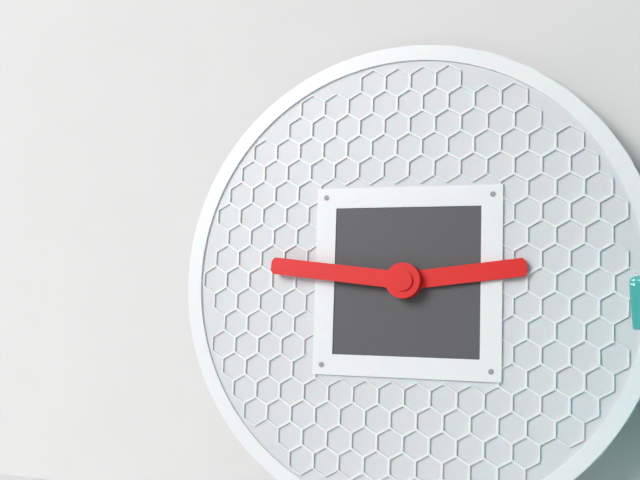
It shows {"hour": 2, "minute": 46}
